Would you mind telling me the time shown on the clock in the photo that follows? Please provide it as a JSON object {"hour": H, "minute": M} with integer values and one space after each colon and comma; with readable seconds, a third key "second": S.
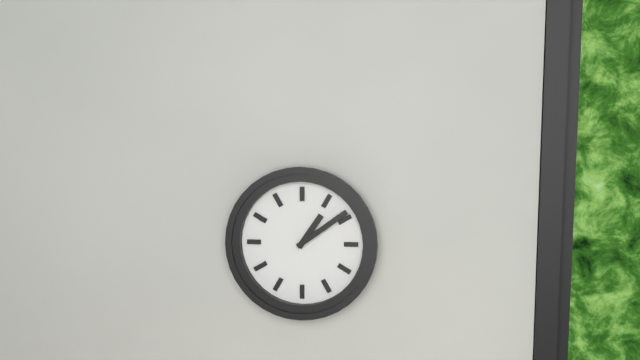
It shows {"hour": 1, "minute": 9}
